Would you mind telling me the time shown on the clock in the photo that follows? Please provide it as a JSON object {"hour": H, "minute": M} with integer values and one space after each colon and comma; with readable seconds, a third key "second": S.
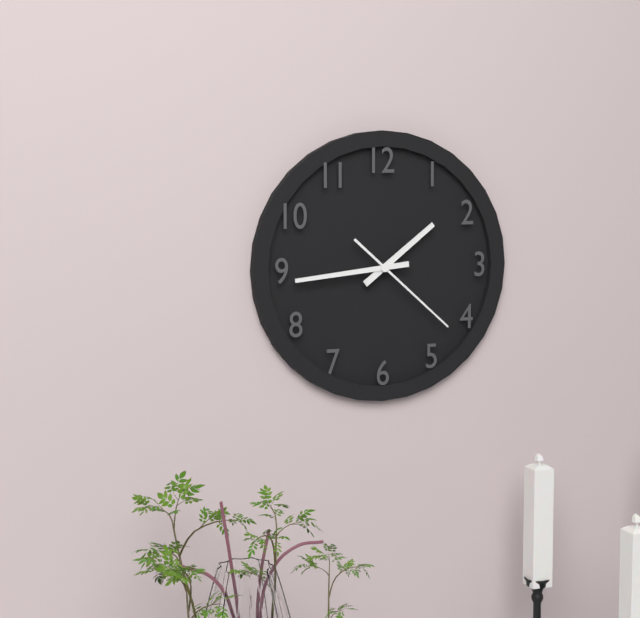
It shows {"hour": 1, "minute": 44, "second": 22}
